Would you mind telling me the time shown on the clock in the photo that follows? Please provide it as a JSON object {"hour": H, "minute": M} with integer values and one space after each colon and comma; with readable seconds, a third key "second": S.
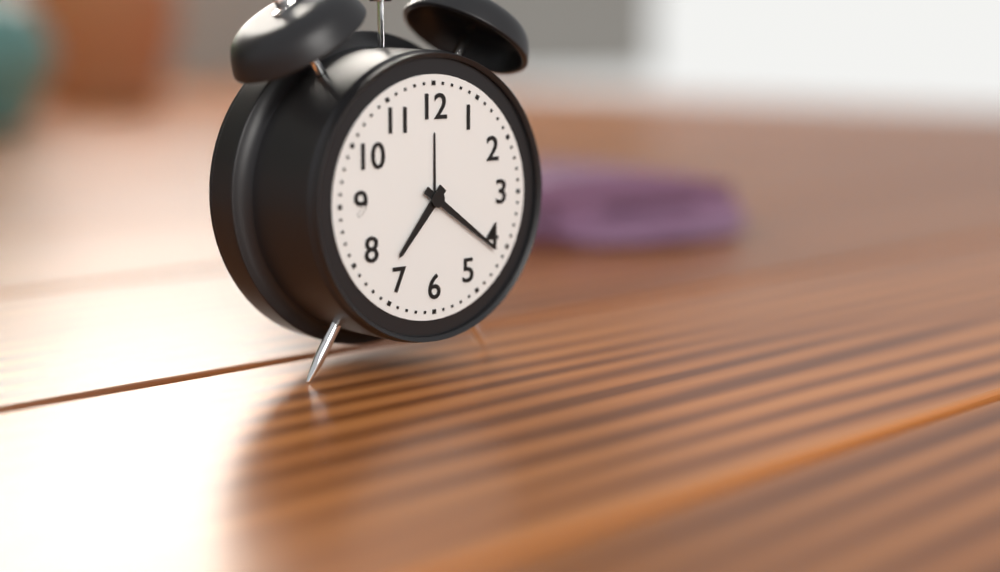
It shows {"hour": 7, "minute": 21}
